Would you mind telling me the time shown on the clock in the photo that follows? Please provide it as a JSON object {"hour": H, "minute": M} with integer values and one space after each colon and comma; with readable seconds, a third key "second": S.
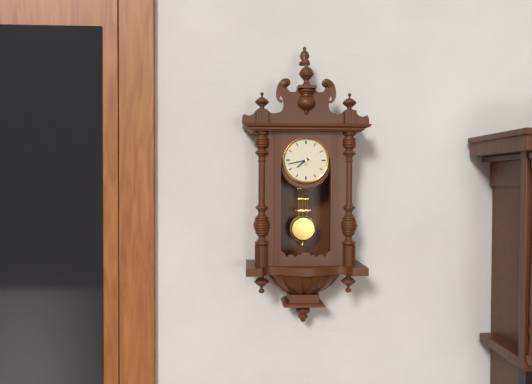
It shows {"hour": 7, "minute": 43}
